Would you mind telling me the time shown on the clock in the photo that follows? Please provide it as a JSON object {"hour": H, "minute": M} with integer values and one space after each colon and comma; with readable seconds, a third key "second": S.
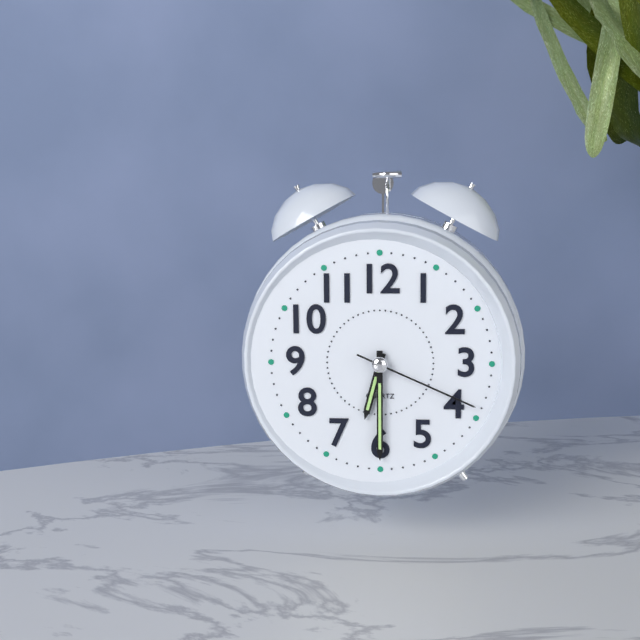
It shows {"hour": 6, "minute": 30, "second": 19}
